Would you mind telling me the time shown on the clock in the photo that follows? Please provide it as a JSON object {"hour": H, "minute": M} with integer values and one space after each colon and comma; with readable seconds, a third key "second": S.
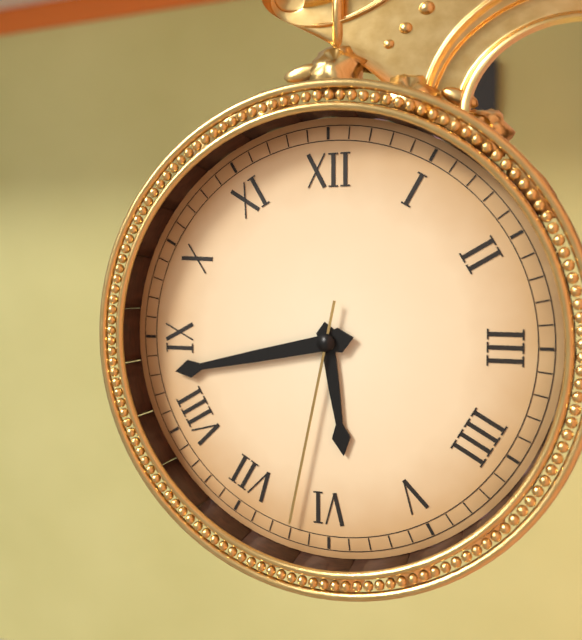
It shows {"hour": 5, "minute": 43, "second": 32}
